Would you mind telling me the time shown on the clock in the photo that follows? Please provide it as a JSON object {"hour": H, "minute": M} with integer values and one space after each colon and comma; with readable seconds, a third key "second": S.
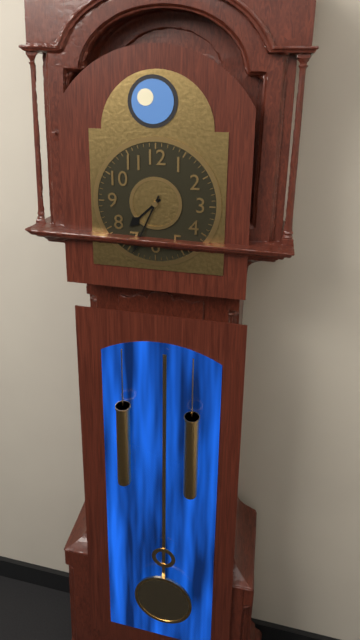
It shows {"hour": 7, "minute": 34}
